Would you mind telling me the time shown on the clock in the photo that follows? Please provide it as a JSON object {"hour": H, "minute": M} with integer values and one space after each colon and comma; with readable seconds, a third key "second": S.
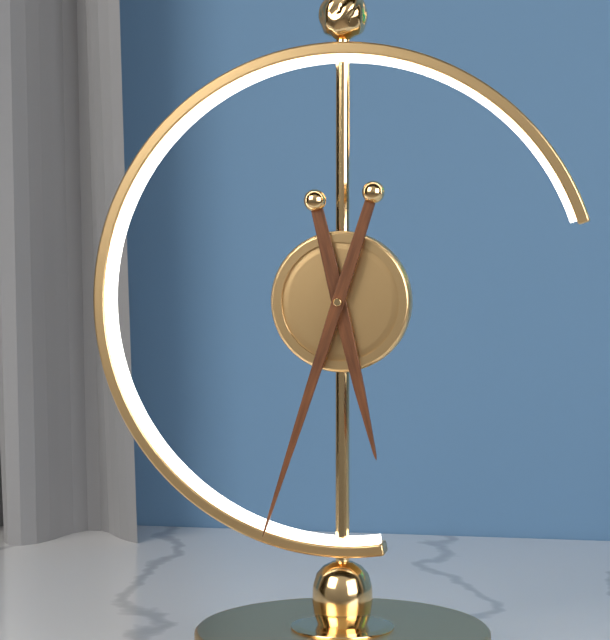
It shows {"hour": 5, "minute": 33}
